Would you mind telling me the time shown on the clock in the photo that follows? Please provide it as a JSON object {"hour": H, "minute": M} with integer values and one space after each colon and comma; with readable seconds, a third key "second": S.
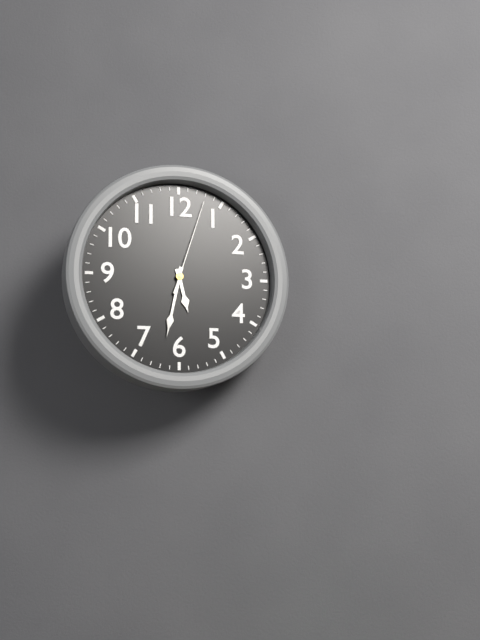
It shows {"hour": 5, "minute": 32, "second": 3}
